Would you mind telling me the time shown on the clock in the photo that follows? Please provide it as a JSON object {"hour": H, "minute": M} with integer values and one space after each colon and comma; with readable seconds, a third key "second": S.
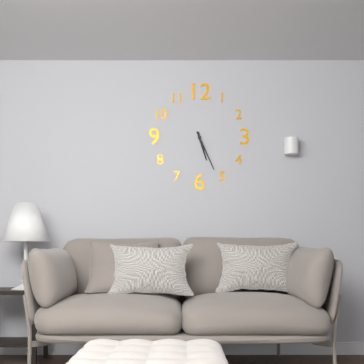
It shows {"hour": 5, "minute": 26}
